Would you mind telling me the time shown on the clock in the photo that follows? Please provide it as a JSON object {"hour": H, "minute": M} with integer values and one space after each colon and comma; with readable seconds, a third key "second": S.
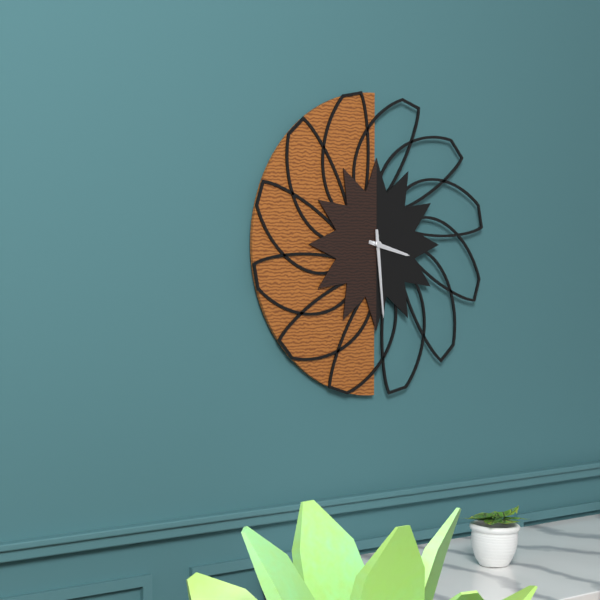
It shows {"hour": 3, "minute": 29}
